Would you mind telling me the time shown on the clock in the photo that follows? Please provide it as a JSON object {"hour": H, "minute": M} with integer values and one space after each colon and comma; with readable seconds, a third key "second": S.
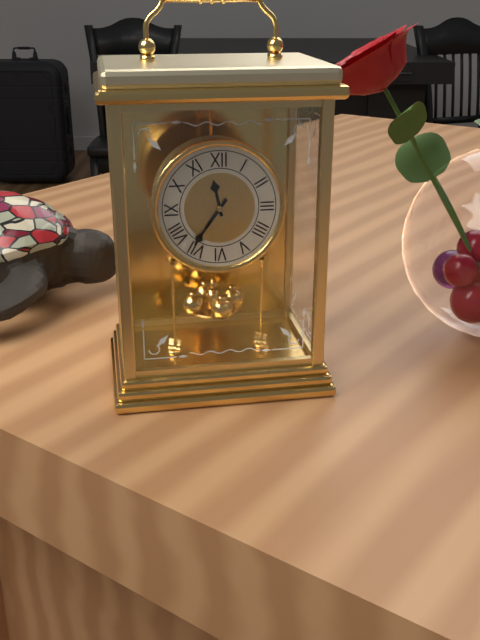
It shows {"hour": 11, "minute": 36}
